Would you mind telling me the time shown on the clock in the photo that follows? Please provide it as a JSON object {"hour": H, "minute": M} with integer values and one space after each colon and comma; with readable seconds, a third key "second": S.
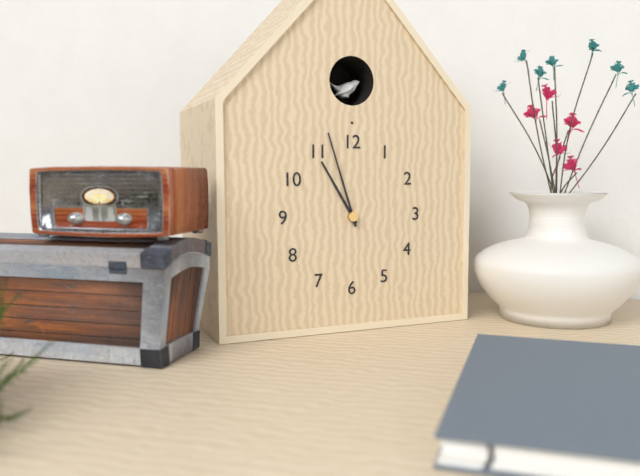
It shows {"hour": 10, "minute": 57}
